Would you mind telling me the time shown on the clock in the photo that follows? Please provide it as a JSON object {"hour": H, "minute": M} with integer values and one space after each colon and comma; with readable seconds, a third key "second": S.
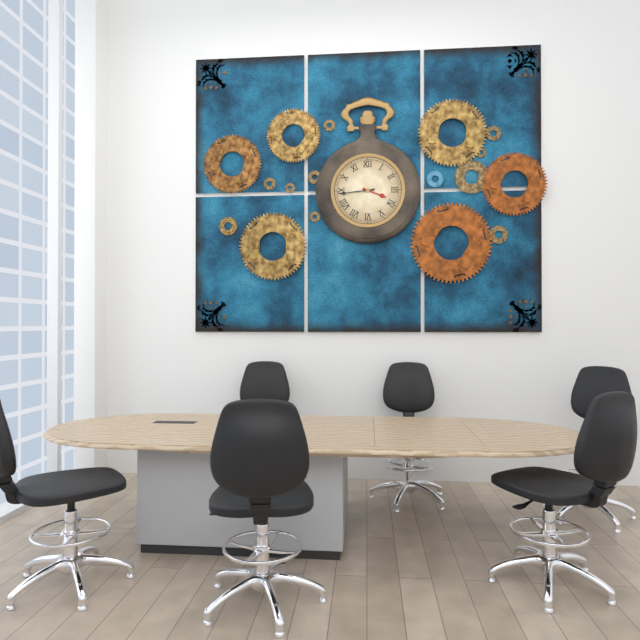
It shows {"hour": 3, "minute": 44}
